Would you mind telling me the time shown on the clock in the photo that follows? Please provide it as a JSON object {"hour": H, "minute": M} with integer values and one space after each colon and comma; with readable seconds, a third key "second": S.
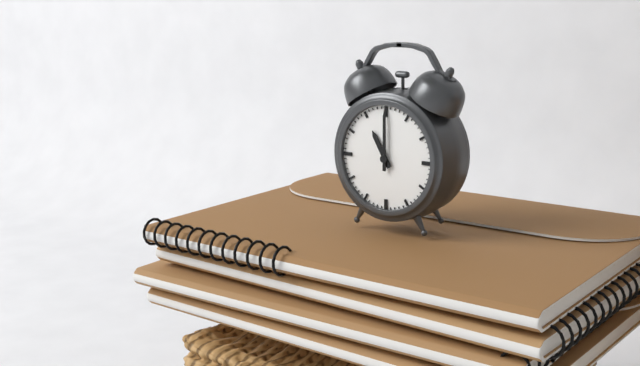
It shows {"hour": 11, "minute": 0}
